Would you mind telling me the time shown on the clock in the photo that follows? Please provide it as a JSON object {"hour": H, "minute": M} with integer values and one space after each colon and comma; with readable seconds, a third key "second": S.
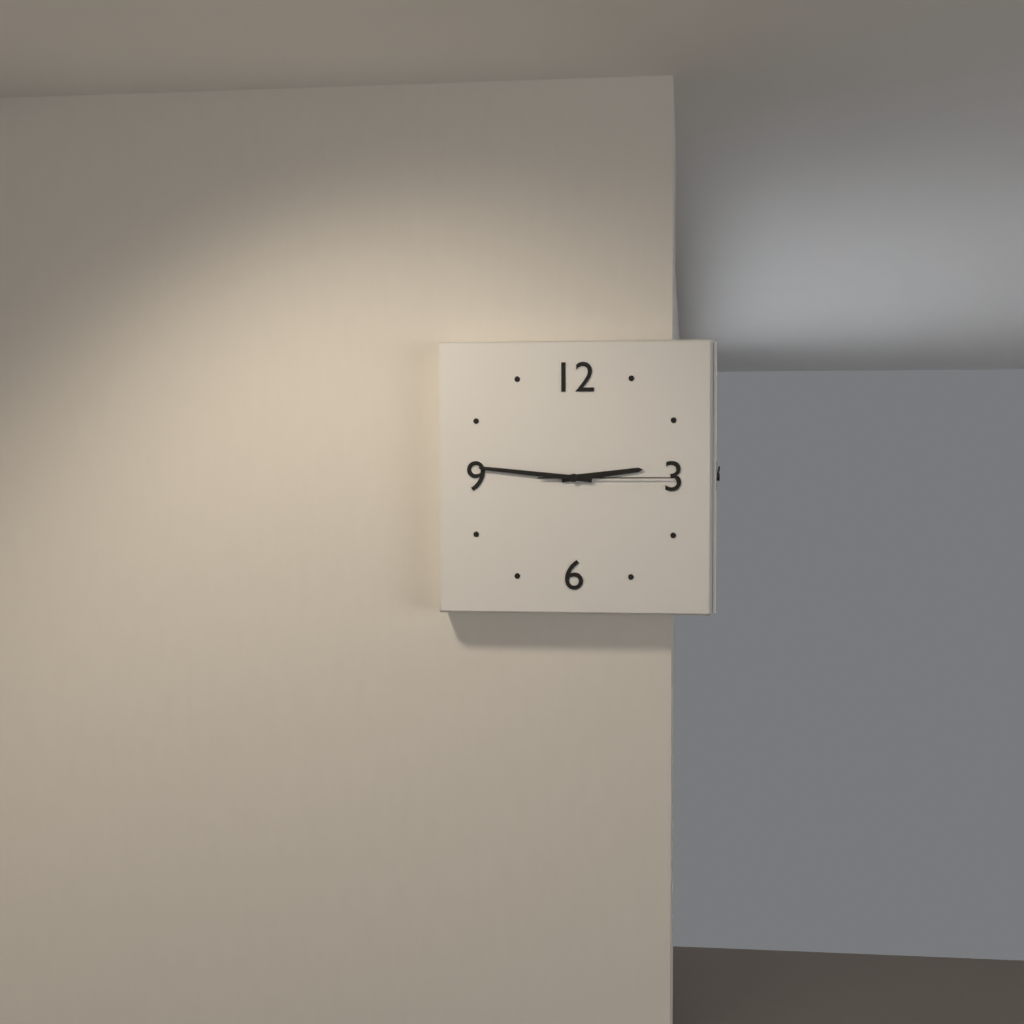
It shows {"hour": 2, "minute": 46, "second": 15}
